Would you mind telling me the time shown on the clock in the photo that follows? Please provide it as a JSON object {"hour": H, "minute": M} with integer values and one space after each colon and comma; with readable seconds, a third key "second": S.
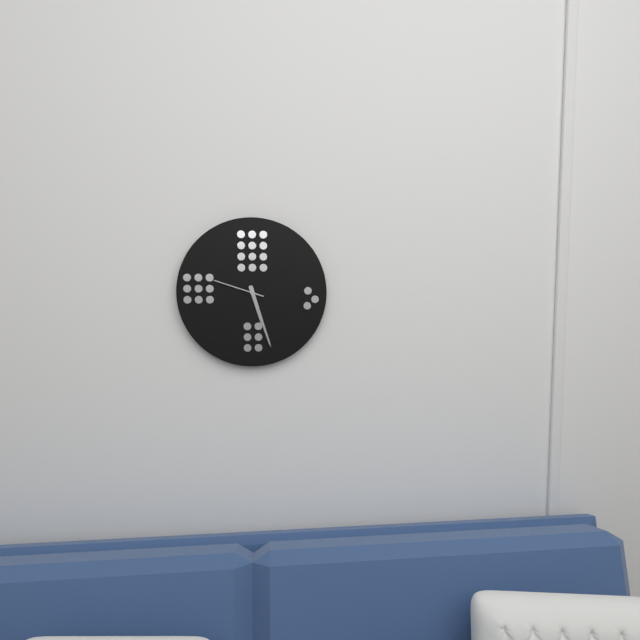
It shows {"hour": 5, "minute": 27, "second": 48}
